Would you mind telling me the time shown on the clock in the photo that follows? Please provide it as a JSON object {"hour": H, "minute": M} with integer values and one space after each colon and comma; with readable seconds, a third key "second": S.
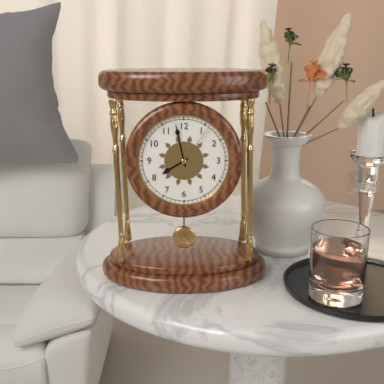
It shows {"hour": 7, "minute": 58, "second": 6}
